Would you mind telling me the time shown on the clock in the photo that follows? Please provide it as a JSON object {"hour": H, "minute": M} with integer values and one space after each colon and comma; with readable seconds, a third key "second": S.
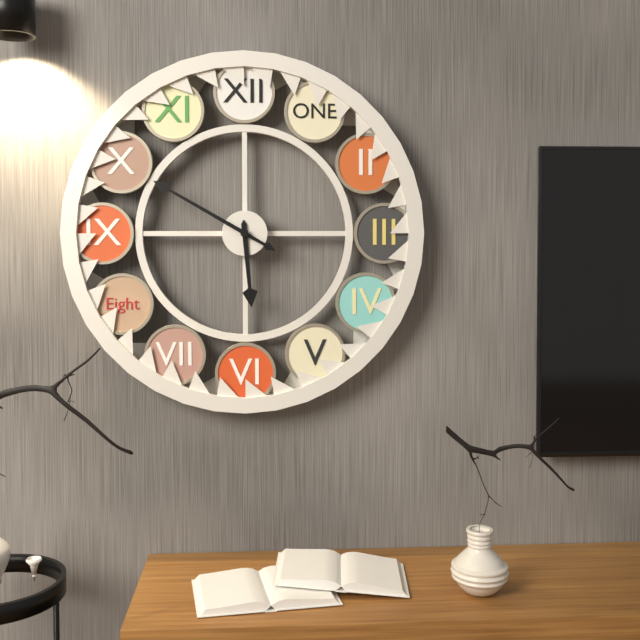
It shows {"hour": 5, "minute": 50}
